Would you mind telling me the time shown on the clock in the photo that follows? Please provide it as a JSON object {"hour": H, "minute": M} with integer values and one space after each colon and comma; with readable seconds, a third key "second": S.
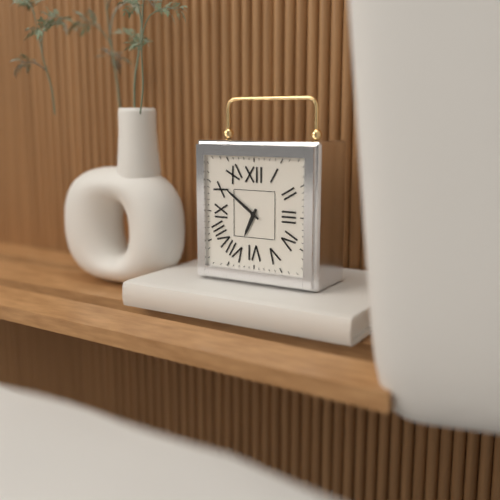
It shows {"hour": 6, "minute": 51}
